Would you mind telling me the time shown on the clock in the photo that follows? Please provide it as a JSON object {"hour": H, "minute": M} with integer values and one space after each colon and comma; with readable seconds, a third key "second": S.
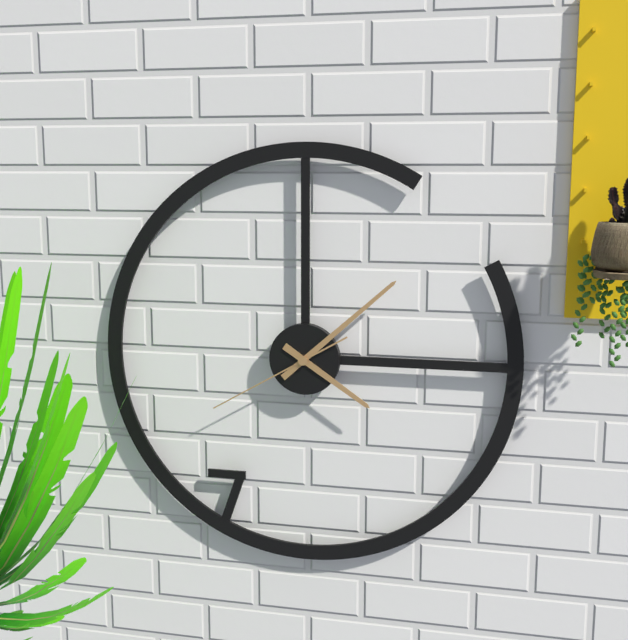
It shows {"hour": 4, "minute": 8, "second": 40}
